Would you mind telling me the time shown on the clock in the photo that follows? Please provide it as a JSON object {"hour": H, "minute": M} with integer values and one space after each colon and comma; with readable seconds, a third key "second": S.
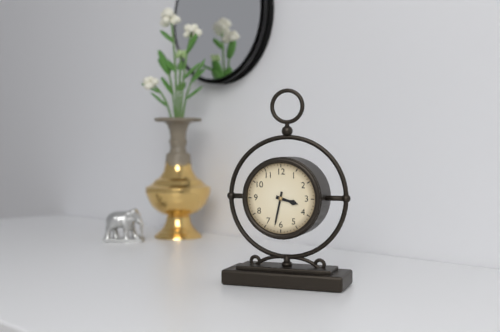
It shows {"hour": 3, "minute": 32}
